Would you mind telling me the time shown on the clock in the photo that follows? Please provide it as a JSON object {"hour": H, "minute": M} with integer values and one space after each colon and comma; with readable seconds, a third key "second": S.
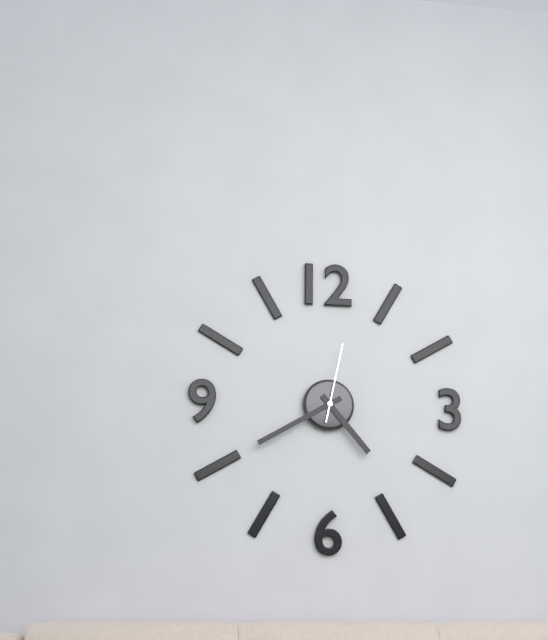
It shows {"hour": 4, "minute": 40, "second": 2}
